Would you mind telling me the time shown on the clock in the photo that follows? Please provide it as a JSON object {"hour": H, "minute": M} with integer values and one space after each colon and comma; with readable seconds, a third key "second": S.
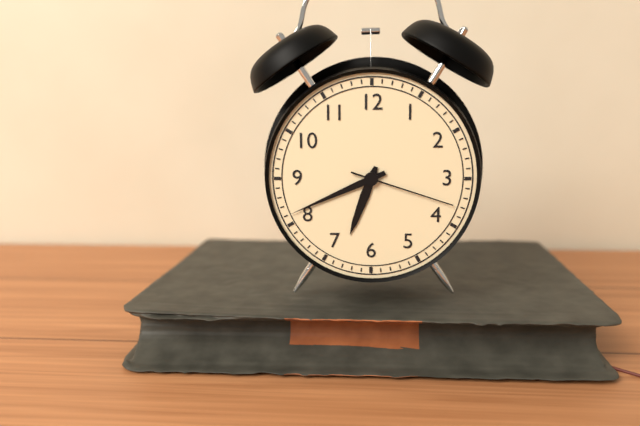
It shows {"hour": 6, "minute": 41, "second": 18}
